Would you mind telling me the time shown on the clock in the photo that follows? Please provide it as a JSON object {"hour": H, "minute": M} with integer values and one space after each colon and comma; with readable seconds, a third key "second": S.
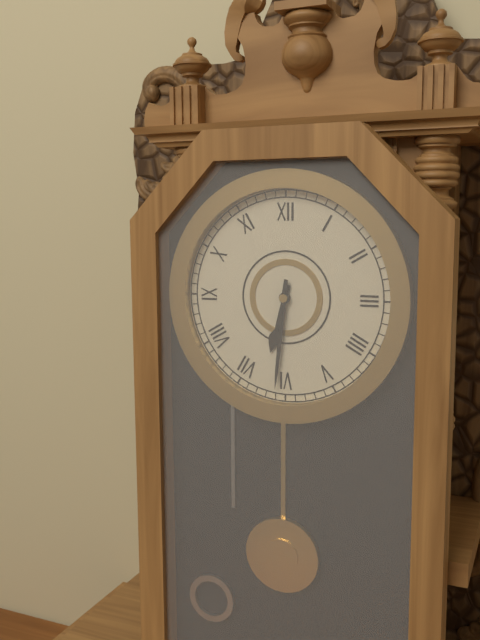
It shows {"hour": 6, "minute": 31}
